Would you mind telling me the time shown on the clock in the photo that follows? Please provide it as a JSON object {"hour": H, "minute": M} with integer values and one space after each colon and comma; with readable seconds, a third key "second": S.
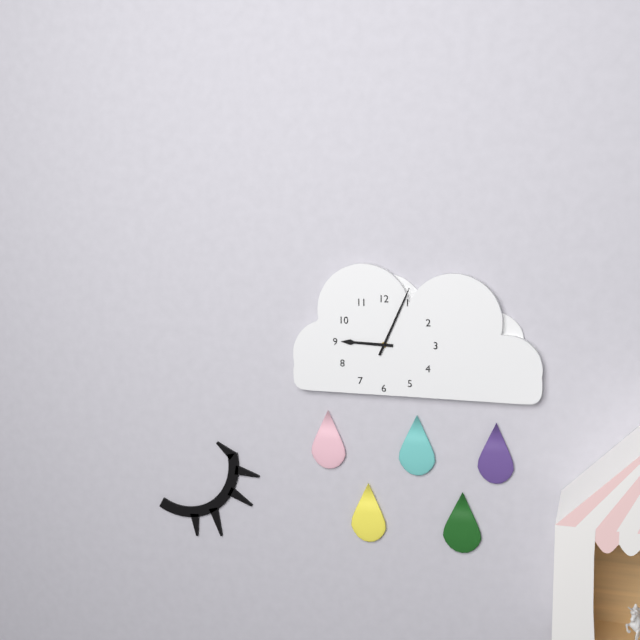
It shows {"hour": 9, "minute": 4}
